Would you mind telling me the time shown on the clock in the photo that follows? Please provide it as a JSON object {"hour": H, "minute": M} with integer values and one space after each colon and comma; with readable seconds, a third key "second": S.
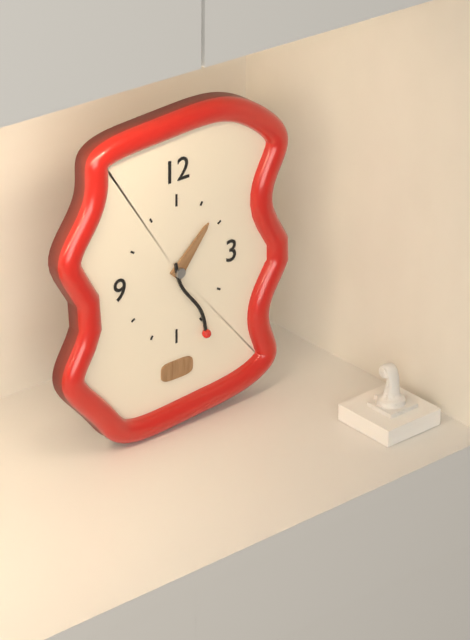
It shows {"hour": 1, "minute": 26}
